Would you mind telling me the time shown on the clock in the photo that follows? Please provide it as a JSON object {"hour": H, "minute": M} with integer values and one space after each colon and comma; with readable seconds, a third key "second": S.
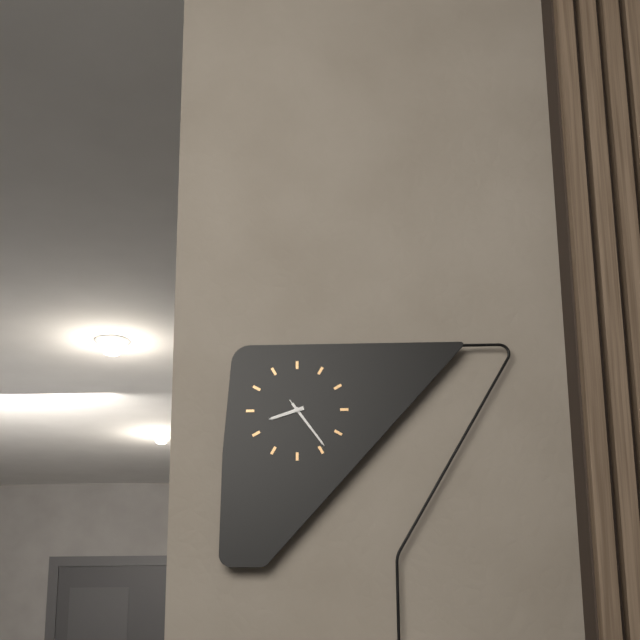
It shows {"hour": 8, "minute": 24, "second": 24}
